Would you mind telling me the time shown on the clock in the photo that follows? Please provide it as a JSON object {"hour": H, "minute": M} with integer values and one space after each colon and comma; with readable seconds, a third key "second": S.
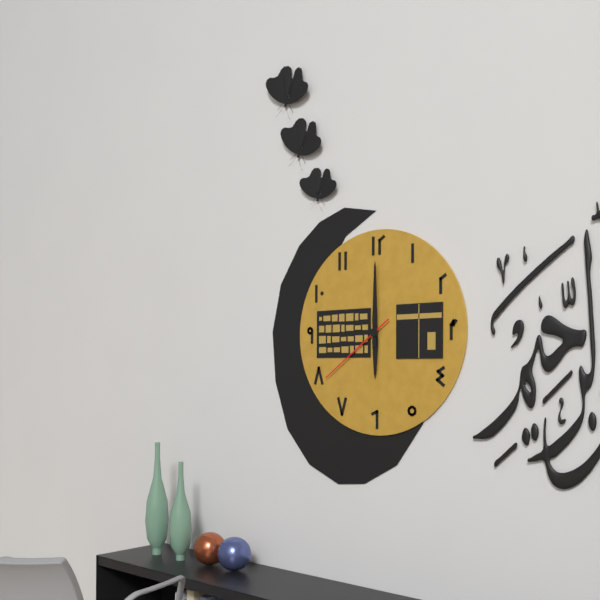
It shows {"hour": 6, "minute": 0, "second": 39}
